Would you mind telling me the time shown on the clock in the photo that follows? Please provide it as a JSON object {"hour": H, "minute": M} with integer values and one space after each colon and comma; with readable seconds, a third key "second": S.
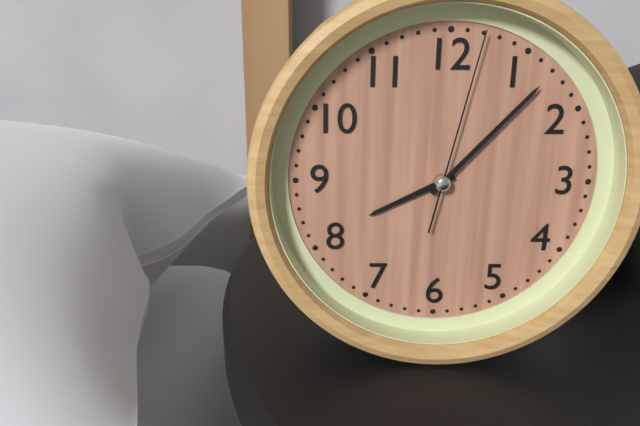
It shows {"hour": 8, "minute": 7, "second": 2}
